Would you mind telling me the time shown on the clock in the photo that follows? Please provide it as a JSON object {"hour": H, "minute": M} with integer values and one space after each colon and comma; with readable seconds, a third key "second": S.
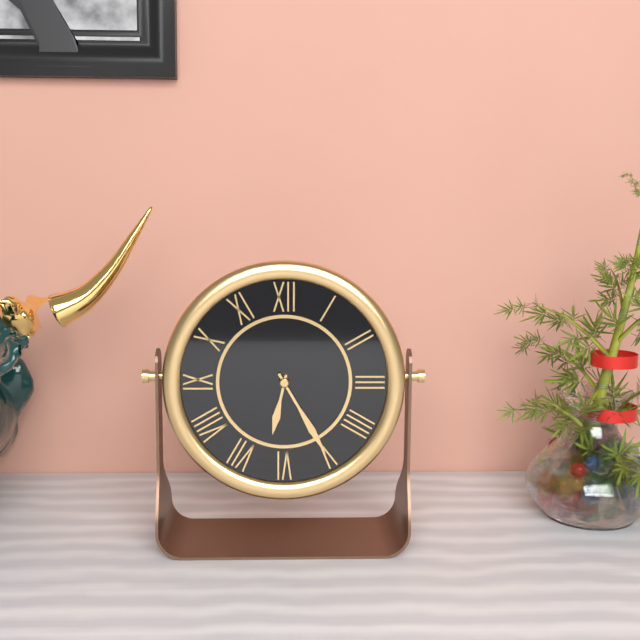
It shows {"hour": 6, "minute": 25}
